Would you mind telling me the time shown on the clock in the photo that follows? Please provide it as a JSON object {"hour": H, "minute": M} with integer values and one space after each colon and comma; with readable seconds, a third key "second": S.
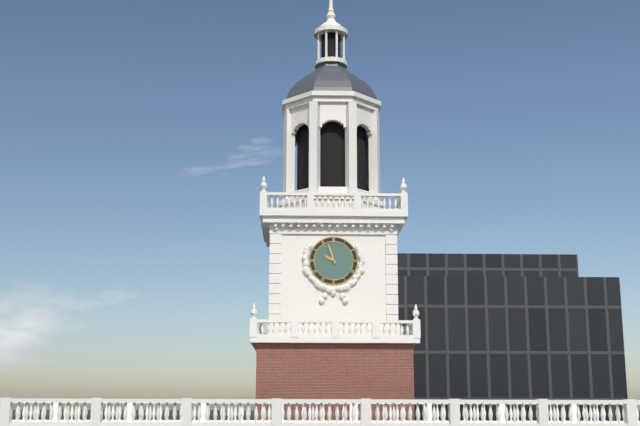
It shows {"hour": 9, "minute": 57}
